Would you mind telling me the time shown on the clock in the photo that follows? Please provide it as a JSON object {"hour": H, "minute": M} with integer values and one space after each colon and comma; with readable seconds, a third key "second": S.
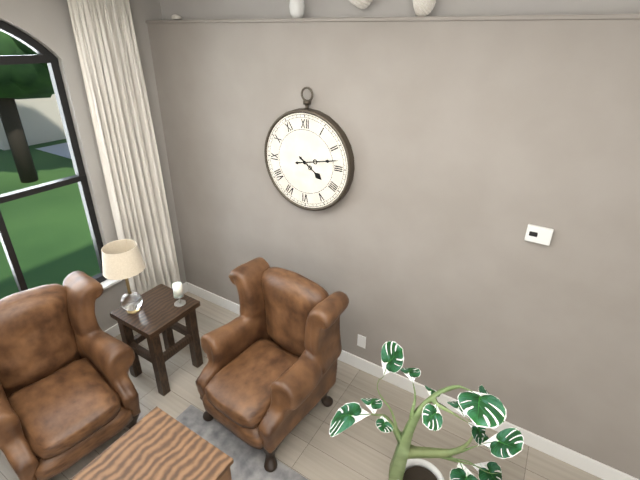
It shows {"hour": 4, "minute": 13}
